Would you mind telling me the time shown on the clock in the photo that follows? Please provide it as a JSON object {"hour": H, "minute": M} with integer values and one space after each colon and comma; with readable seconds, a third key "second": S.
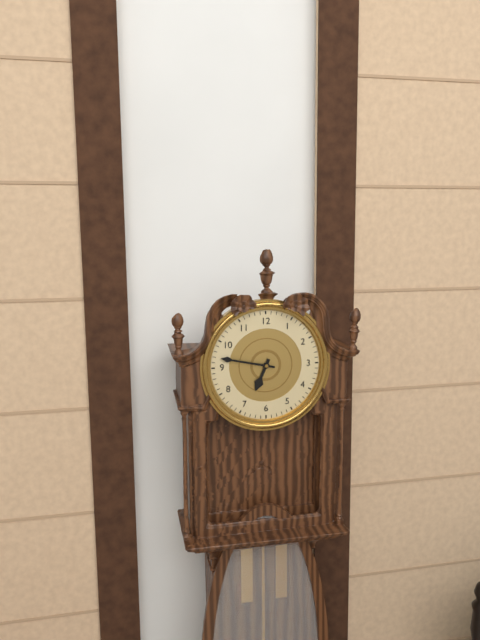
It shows {"hour": 6, "minute": 47}
